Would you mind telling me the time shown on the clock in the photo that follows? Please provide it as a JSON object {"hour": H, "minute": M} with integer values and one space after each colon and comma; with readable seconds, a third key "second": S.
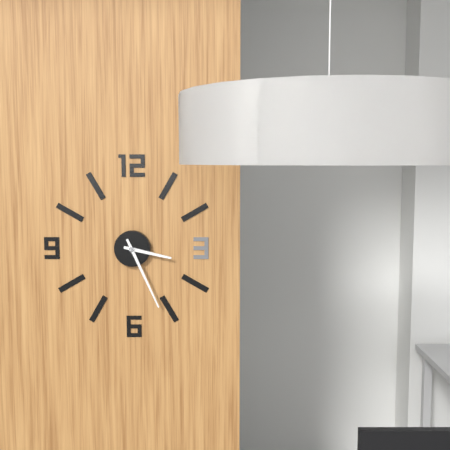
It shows {"hour": 3, "minute": 26}
